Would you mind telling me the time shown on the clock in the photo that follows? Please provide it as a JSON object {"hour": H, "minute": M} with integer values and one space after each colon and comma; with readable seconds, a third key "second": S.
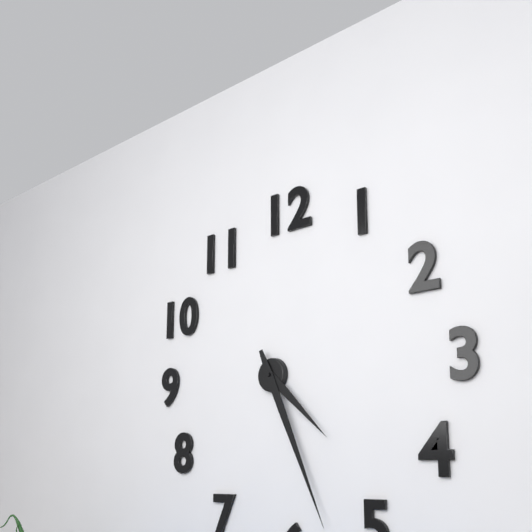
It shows {"hour": 4, "minute": 26}
